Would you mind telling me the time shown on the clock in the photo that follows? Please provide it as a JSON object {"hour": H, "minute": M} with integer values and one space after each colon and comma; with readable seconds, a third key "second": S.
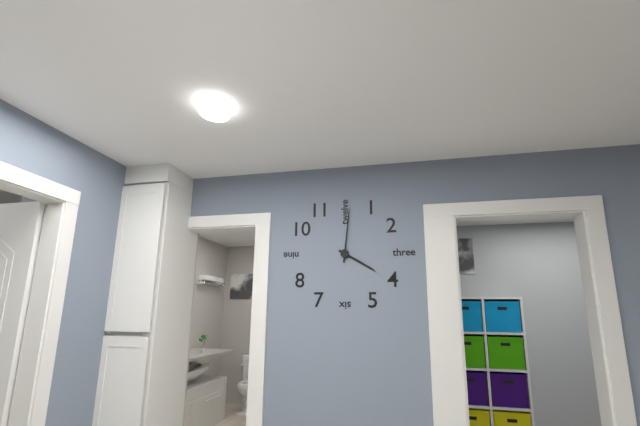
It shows {"hour": 4, "minute": 1}
